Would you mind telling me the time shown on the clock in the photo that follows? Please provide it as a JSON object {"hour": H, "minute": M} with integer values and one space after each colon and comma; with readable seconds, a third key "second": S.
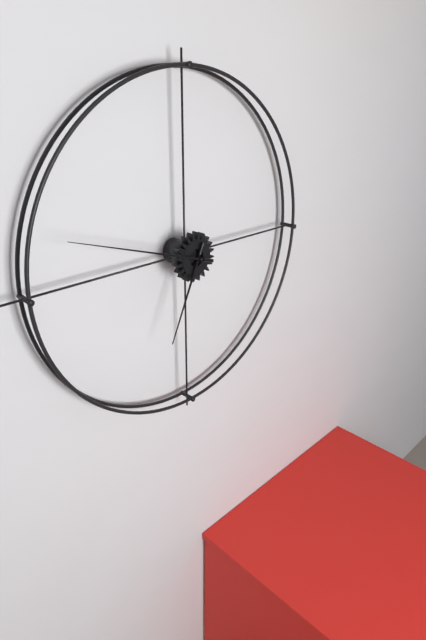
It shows {"hour": 6, "minute": 48}
